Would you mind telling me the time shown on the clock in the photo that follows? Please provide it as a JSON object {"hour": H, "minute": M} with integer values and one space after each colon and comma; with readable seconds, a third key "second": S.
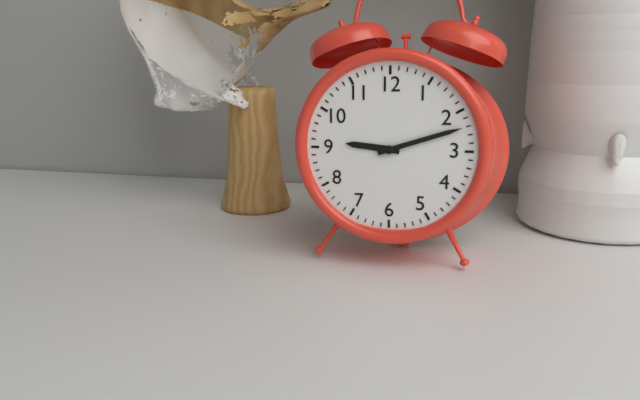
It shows {"hour": 9, "minute": 12}
